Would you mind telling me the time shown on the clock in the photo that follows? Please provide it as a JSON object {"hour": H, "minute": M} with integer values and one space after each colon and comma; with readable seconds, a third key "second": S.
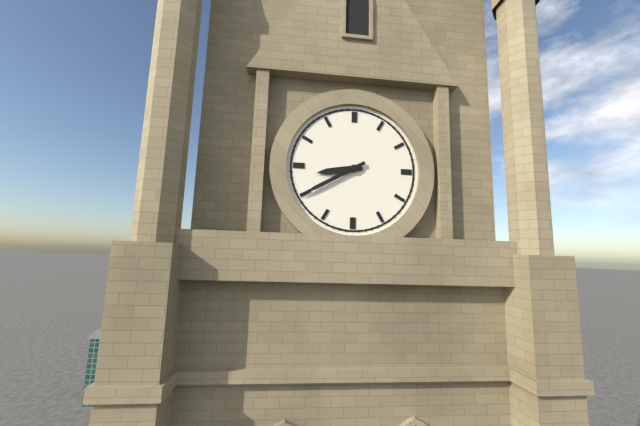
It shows {"hour": 8, "minute": 40}
